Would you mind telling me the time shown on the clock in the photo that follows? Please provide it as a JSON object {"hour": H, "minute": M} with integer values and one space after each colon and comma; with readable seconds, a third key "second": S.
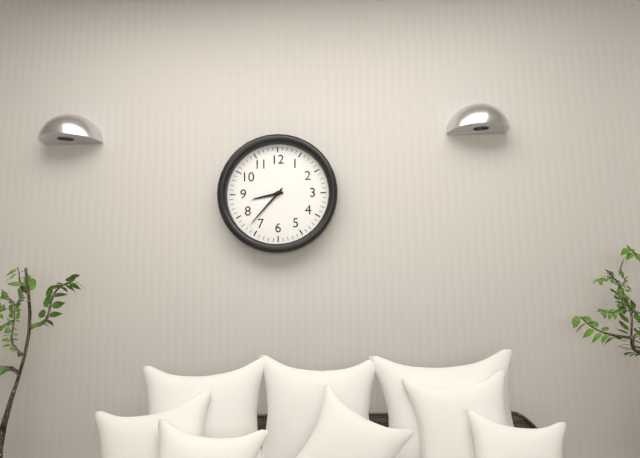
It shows {"hour": 8, "minute": 37}
